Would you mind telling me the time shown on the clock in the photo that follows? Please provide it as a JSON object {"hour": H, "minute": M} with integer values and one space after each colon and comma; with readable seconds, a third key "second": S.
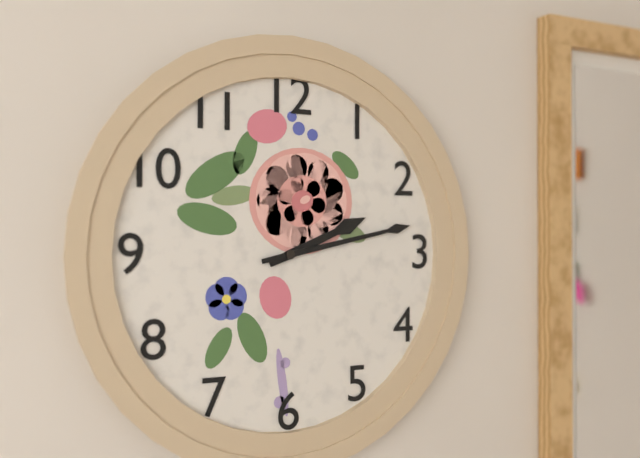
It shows {"hour": 2, "minute": 13}
